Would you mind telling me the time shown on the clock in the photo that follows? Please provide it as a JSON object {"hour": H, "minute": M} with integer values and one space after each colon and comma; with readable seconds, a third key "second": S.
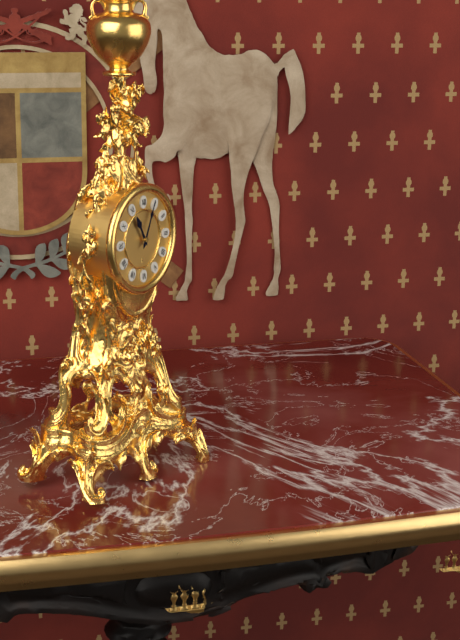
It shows {"hour": 11, "minute": 4}
